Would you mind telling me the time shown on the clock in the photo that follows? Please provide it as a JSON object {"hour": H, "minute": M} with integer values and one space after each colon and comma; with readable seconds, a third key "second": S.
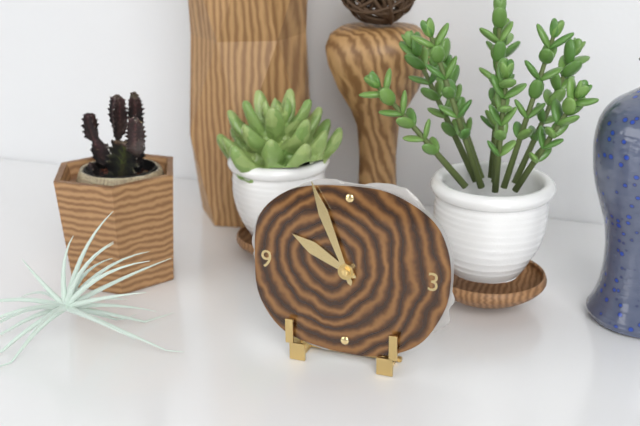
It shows {"hour": 9, "minute": 56}
